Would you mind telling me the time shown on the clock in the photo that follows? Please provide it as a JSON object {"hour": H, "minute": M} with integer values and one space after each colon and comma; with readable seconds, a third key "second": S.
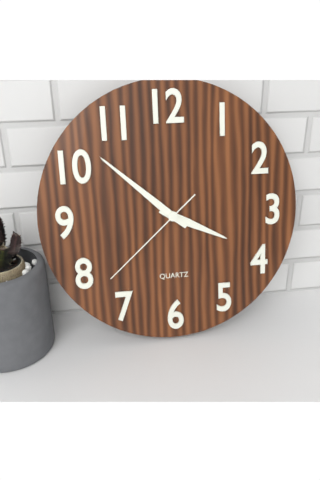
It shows {"hour": 3, "minute": 52, "second": 38}
